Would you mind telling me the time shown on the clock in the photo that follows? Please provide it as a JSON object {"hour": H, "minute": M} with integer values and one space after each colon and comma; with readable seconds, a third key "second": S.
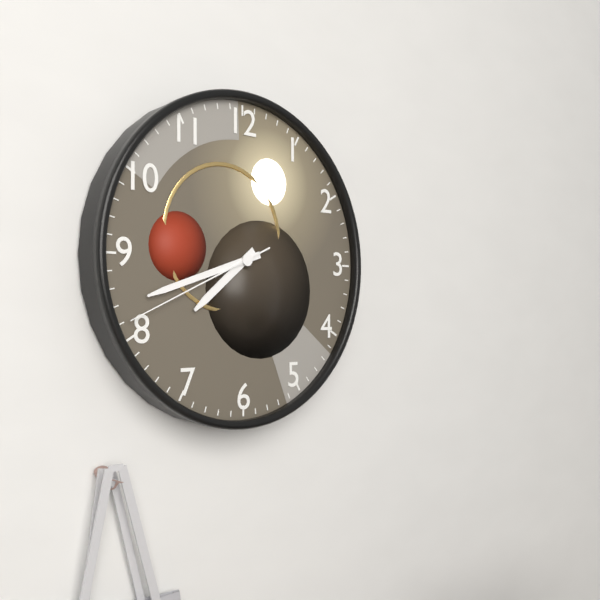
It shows {"hour": 7, "minute": 42, "second": 41}
